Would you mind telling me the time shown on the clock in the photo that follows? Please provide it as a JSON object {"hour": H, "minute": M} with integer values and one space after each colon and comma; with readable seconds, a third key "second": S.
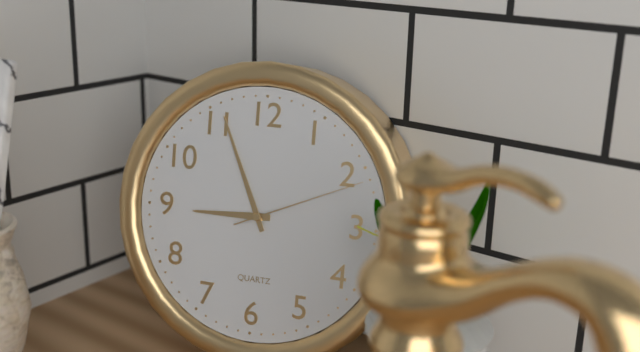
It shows {"hour": 8, "minute": 56, "second": 11}
